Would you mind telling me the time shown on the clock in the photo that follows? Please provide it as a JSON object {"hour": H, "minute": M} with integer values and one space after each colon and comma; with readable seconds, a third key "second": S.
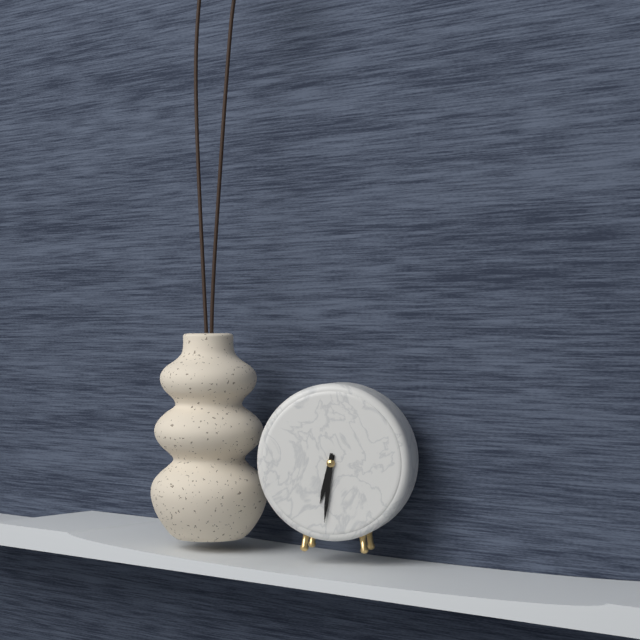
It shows {"hour": 6, "minute": 31}
